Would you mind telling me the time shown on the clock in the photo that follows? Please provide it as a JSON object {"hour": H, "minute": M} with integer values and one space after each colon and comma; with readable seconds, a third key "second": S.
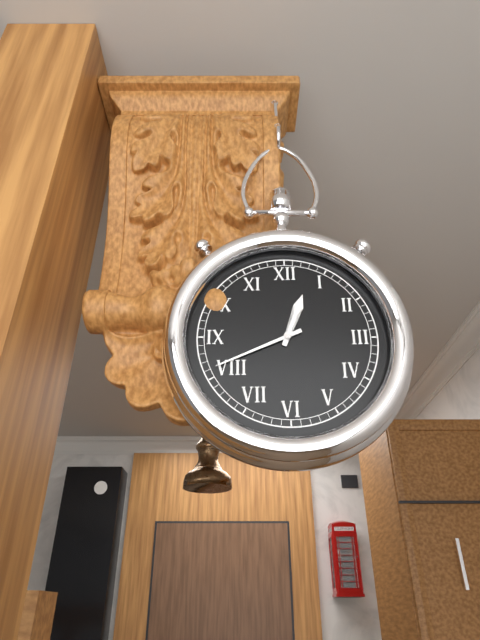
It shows {"hour": 12, "minute": 41}
